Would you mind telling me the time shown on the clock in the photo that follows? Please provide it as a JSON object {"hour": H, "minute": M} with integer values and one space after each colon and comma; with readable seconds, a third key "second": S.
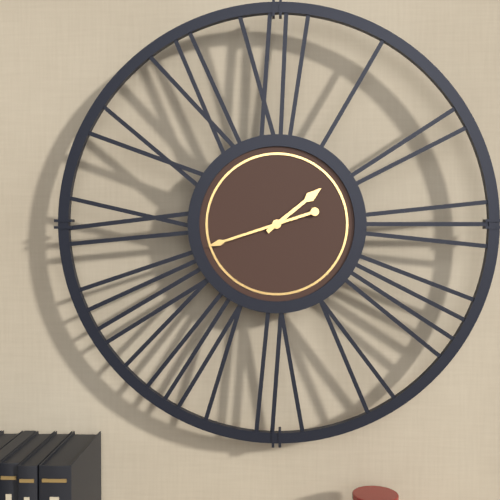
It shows {"hour": 1, "minute": 42}
